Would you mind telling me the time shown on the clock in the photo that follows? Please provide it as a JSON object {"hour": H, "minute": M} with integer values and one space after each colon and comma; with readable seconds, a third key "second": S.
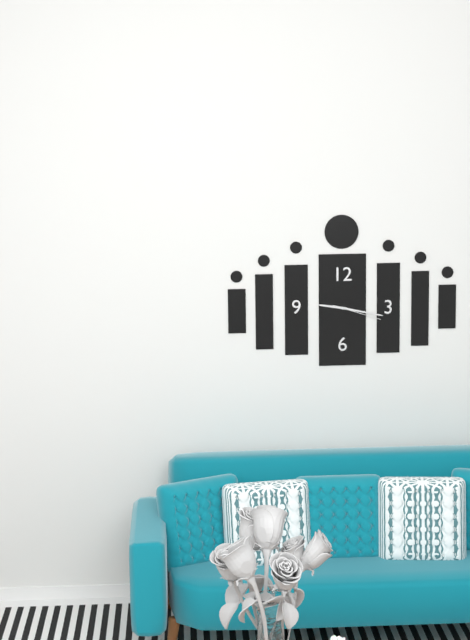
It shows {"hour": 9, "minute": 17, "second": 18}
